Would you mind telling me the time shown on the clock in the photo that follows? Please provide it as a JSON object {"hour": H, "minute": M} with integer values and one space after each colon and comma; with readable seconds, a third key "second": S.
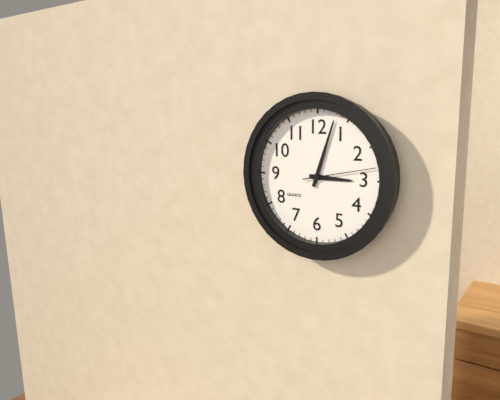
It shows {"hour": 3, "minute": 3, "second": 13}
